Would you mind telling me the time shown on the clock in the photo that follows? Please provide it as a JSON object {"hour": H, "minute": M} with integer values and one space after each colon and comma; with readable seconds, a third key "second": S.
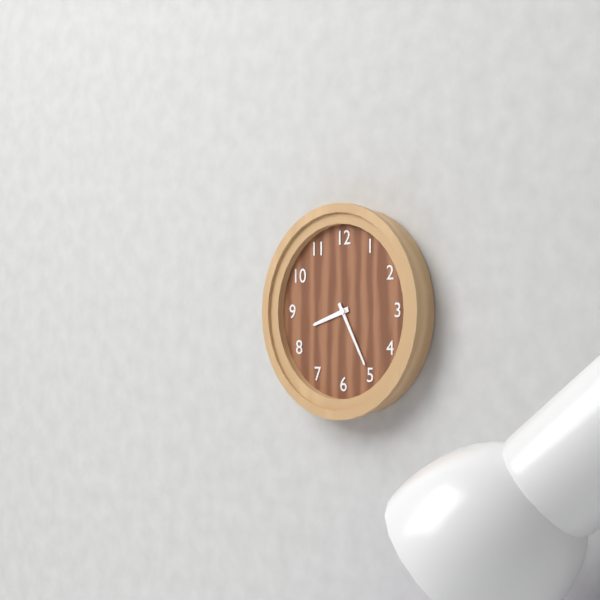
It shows {"hour": 8, "minute": 25}
